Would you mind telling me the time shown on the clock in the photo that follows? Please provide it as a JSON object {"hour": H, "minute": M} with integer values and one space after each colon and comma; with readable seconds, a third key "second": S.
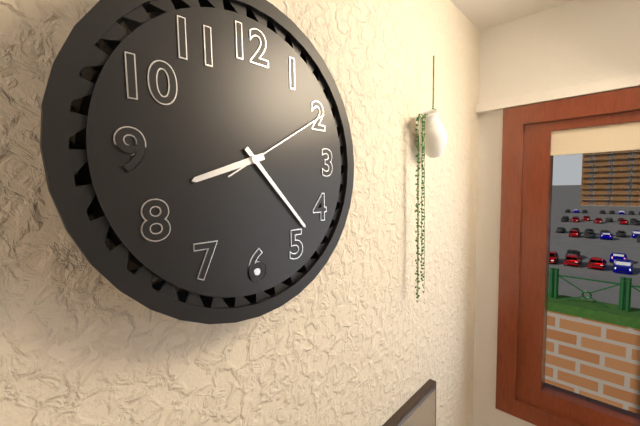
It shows {"hour": 8, "minute": 23, "second": 10}
